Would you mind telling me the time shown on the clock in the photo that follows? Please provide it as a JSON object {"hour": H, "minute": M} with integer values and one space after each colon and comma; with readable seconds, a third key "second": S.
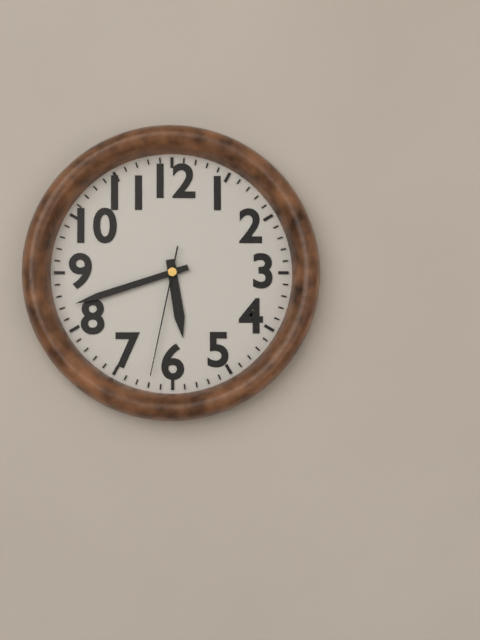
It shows {"hour": 5, "minute": 42, "second": 32}
